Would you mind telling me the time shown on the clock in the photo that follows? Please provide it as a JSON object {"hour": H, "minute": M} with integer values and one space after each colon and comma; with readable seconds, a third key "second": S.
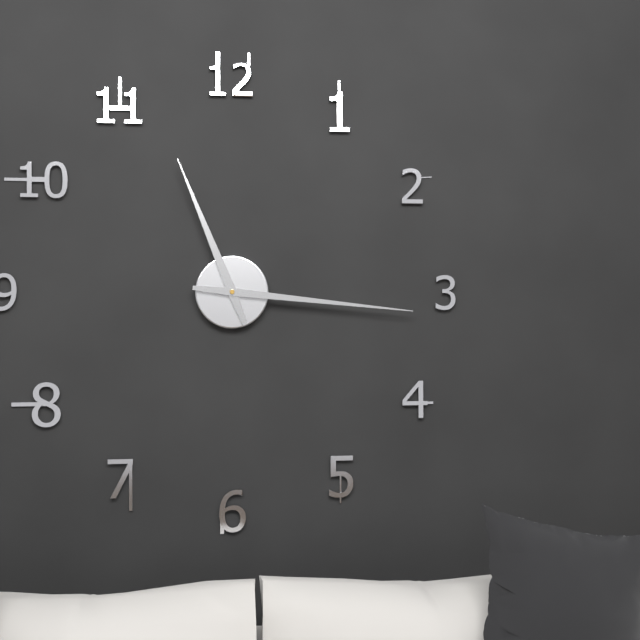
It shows {"hour": 11, "minute": 16}
